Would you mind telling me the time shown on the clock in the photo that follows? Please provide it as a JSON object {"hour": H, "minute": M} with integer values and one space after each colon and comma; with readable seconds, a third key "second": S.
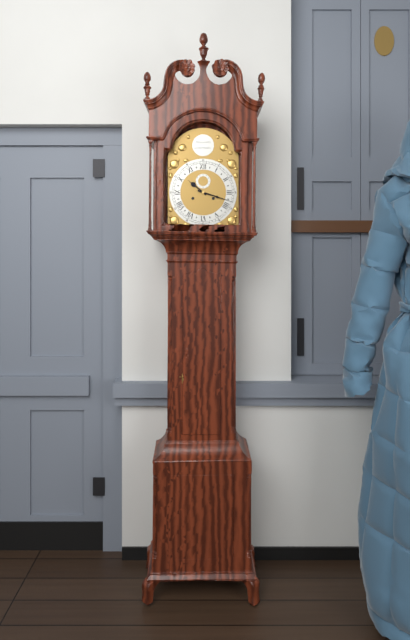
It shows {"hour": 10, "minute": 18}
